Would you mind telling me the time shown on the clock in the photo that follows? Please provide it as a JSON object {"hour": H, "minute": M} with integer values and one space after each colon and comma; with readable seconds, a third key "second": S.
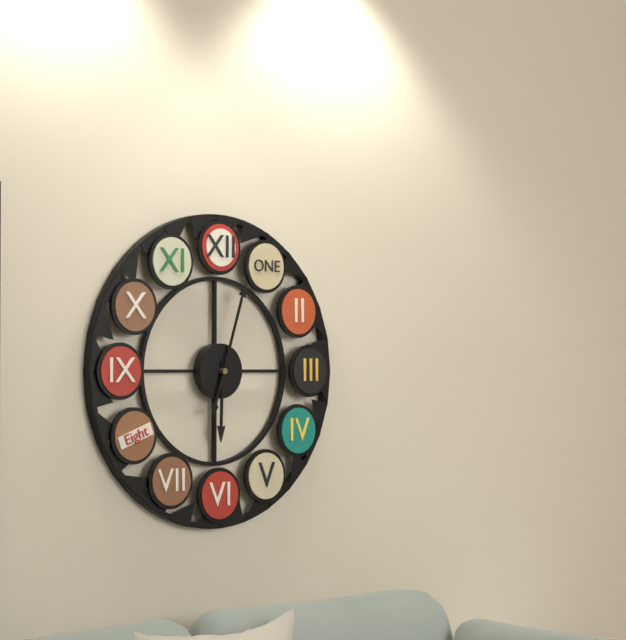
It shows {"hour": 6, "minute": 3}
